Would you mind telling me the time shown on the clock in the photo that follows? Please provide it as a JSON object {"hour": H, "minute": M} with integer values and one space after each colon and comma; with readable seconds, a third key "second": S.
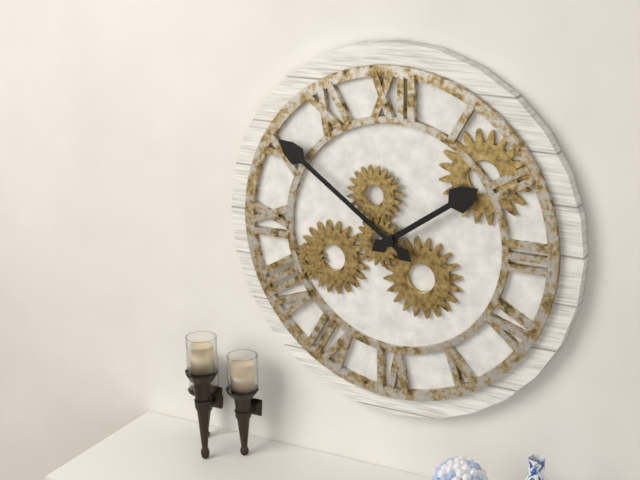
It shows {"hour": 1, "minute": 51}
